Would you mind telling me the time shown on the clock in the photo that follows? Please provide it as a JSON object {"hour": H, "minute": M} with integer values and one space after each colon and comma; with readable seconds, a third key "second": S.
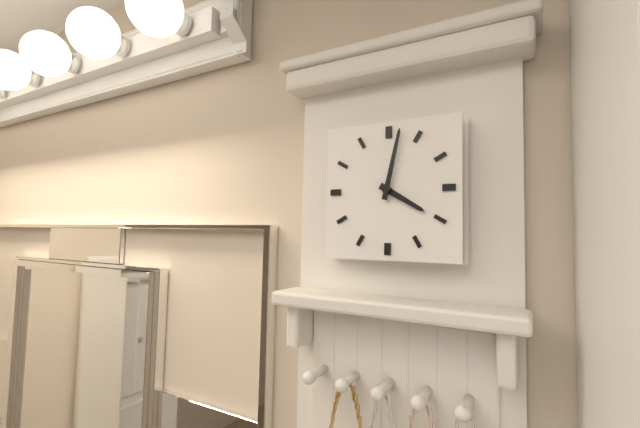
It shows {"hour": 4, "minute": 2}
